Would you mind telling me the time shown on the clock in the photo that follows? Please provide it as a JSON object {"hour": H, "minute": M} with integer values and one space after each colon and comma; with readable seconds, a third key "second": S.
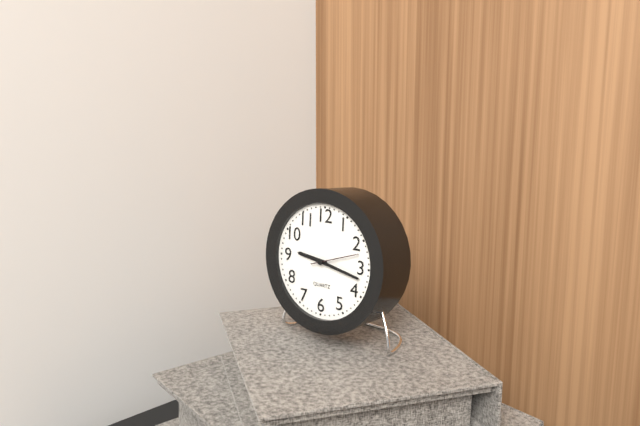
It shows {"hour": 9, "minute": 17}
